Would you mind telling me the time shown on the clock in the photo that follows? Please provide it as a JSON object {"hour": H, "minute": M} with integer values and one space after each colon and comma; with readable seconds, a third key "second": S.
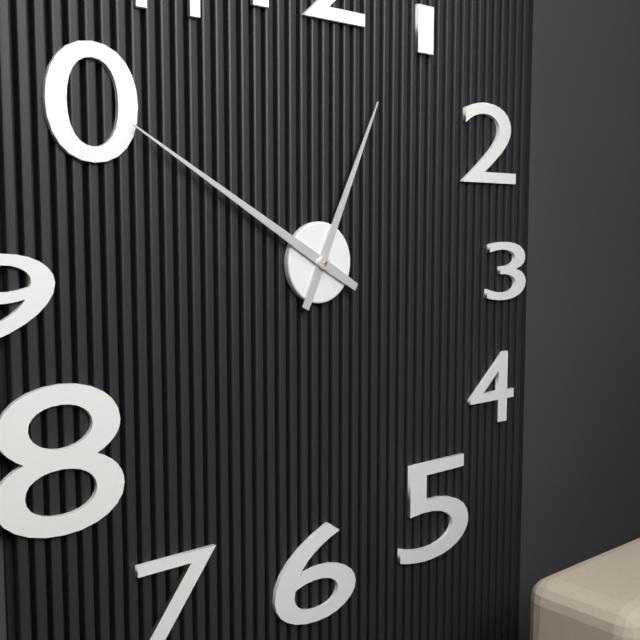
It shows {"hour": 12, "minute": 50}
